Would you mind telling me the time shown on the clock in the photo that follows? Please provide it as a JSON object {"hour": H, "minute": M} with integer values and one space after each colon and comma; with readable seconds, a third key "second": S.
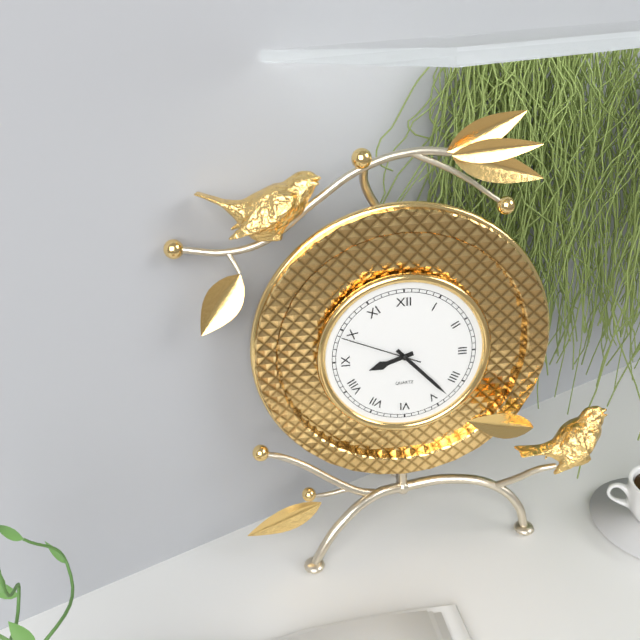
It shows {"hour": 8, "minute": 23, "second": 49}
